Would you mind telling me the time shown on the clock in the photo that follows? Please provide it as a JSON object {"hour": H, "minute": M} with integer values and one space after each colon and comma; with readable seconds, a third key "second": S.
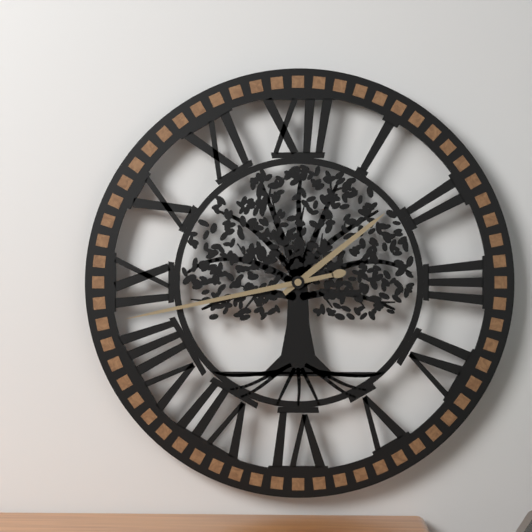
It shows {"hour": 1, "minute": 43}
